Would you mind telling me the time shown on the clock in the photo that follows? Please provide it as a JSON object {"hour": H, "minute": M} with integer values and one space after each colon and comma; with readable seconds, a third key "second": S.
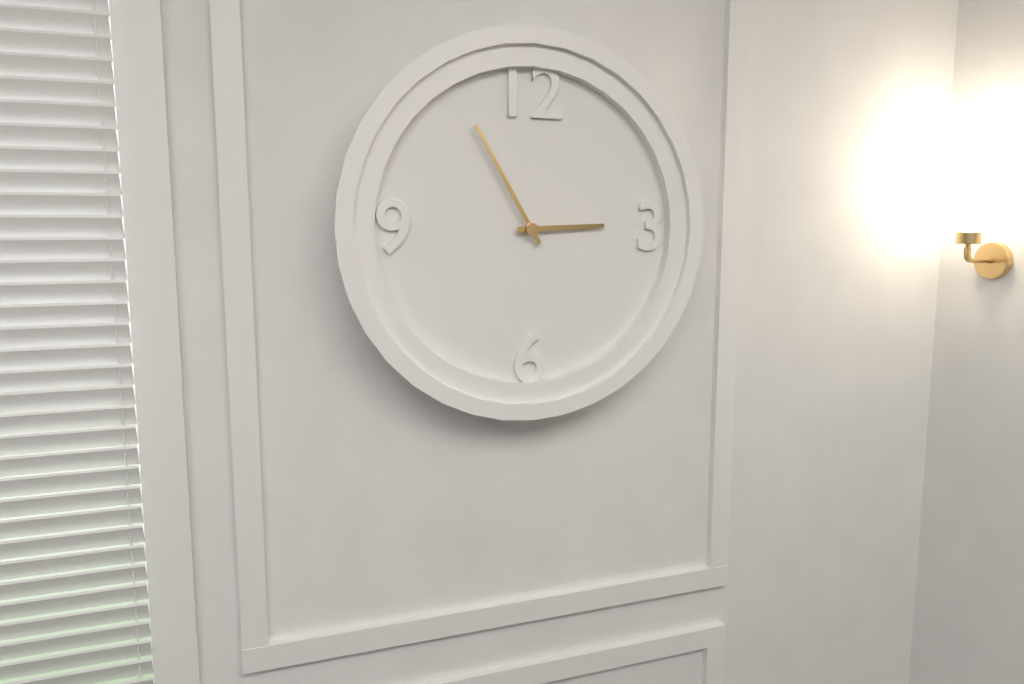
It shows {"hour": 2, "minute": 55}
